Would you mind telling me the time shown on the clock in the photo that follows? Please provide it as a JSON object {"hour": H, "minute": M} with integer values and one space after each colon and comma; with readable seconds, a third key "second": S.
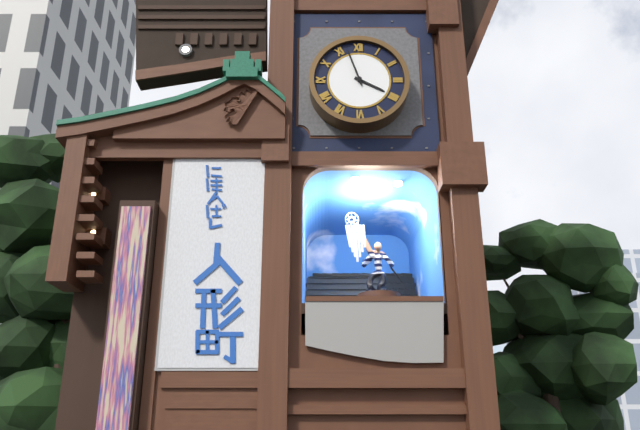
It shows {"hour": 3, "minute": 57}
